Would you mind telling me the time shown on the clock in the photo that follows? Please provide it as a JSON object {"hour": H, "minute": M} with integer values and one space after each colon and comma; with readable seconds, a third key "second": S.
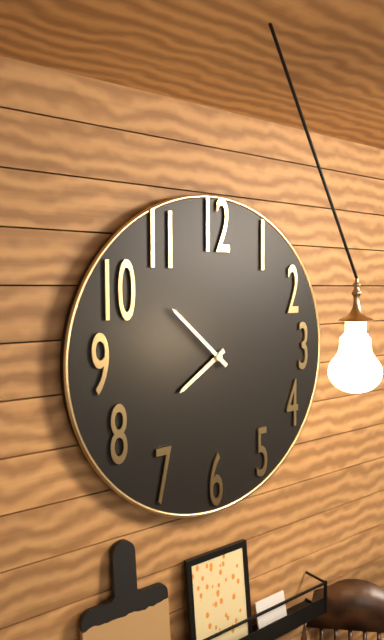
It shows {"hour": 7, "minute": 52}
